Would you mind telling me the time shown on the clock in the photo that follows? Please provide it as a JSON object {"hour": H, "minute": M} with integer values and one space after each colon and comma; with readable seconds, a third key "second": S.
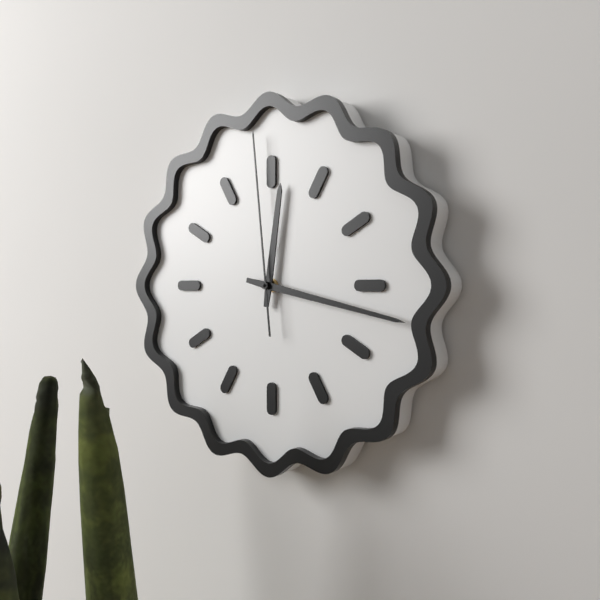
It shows {"hour": 12, "minute": 17, "second": 59}
